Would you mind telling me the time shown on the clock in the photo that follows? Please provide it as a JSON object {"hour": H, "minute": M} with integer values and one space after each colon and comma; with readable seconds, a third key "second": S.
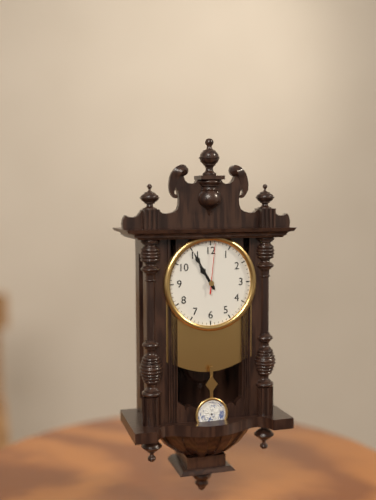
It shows {"hour": 10, "minute": 55, "second": 1}
